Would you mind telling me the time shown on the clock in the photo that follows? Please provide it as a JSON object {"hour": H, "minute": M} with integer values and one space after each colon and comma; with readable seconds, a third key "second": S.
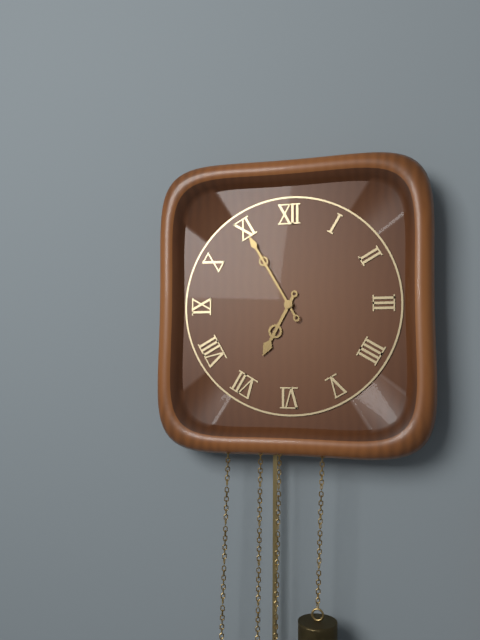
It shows {"hour": 6, "minute": 55}
